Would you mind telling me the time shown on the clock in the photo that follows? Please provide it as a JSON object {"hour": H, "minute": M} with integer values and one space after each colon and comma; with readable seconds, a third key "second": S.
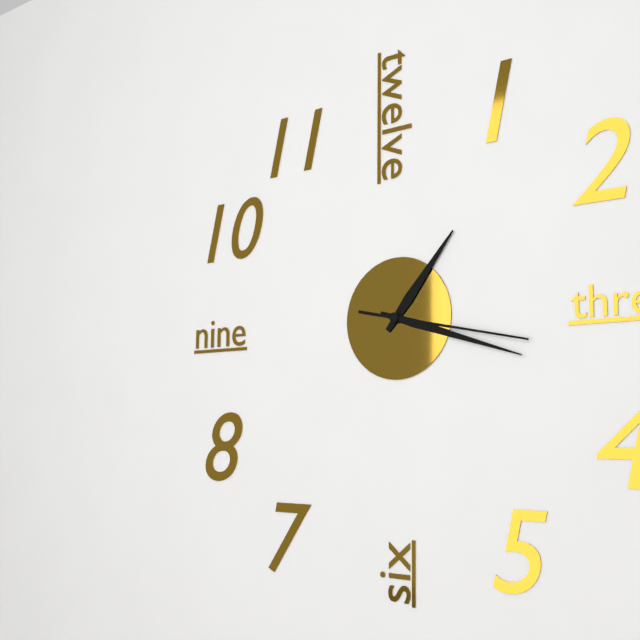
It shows {"hour": 1, "minute": 18, "second": 17}
